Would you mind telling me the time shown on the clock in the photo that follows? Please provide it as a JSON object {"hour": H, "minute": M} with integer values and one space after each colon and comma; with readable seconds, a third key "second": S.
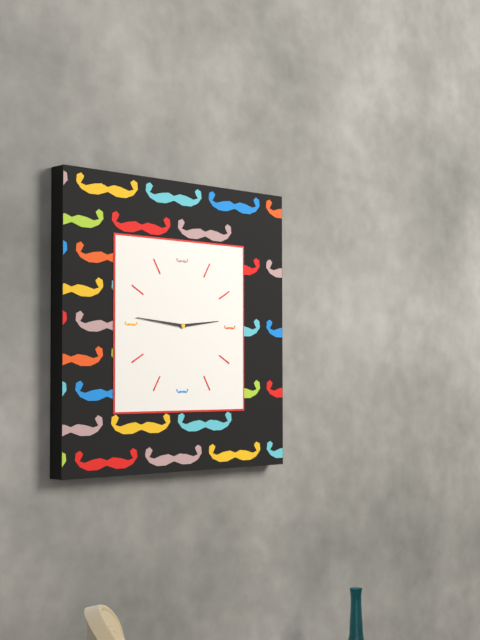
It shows {"hour": 2, "minute": 46}
